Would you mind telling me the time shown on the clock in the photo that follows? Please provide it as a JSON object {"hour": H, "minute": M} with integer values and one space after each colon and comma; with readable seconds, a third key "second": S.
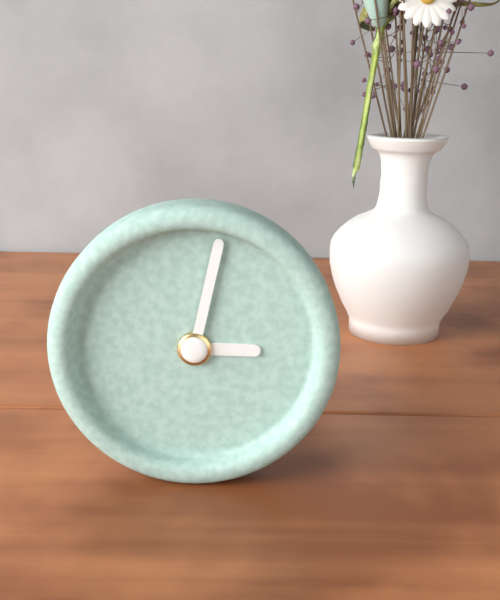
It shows {"hour": 3, "minute": 2}
